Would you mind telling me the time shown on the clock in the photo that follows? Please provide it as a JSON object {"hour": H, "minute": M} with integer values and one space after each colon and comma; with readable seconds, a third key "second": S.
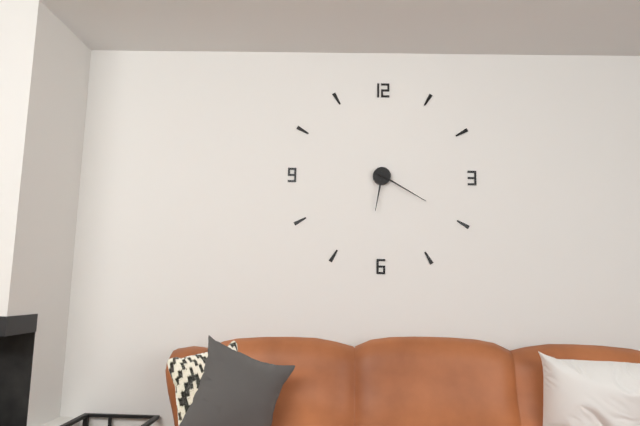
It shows {"hour": 6, "minute": 20}
